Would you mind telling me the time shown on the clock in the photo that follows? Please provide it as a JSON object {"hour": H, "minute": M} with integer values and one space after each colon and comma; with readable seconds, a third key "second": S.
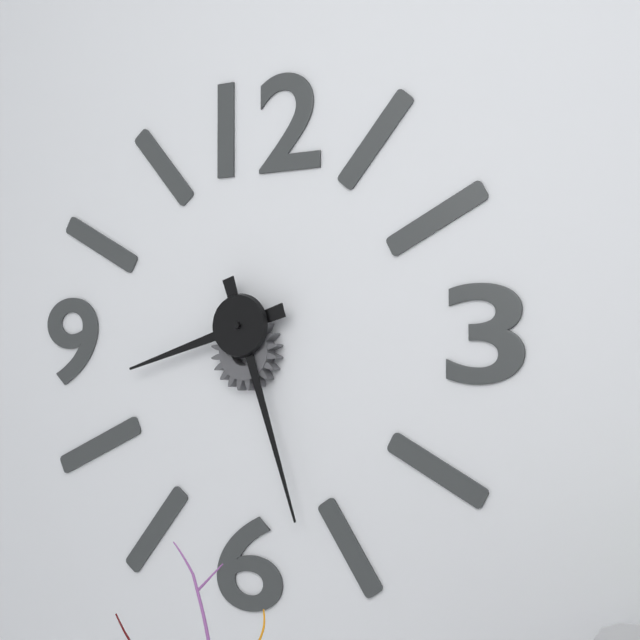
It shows {"hour": 8, "minute": 27}
